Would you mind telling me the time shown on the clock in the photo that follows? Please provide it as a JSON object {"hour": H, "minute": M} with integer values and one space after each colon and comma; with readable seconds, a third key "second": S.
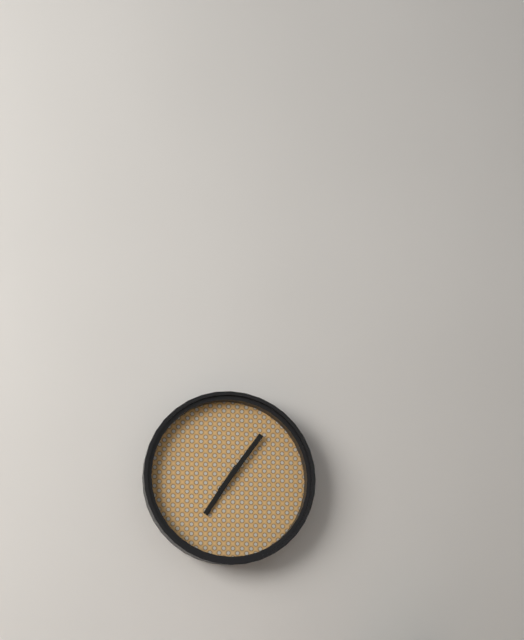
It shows {"hour": 7, "minute": 6}
